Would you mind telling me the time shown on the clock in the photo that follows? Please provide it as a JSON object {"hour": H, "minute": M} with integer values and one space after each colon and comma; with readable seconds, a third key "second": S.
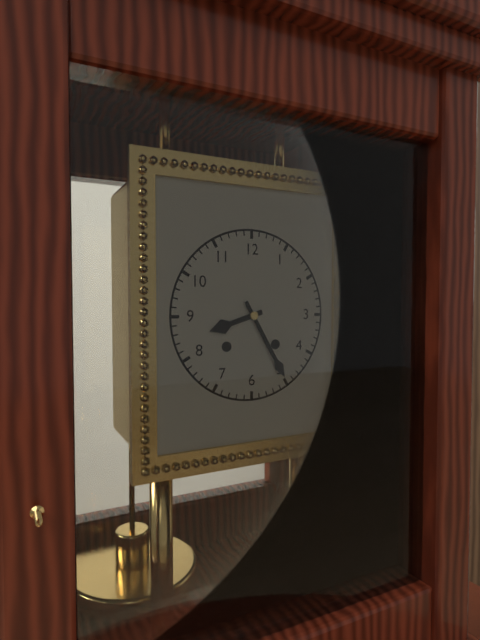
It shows {"hour": 8, "minute": 25}
